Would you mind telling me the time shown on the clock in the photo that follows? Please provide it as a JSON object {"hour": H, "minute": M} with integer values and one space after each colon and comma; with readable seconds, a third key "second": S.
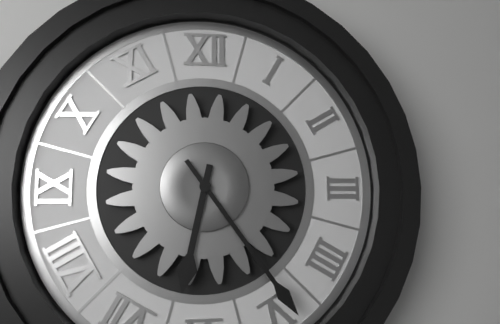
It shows {"hour": 6, "minute": 24}
